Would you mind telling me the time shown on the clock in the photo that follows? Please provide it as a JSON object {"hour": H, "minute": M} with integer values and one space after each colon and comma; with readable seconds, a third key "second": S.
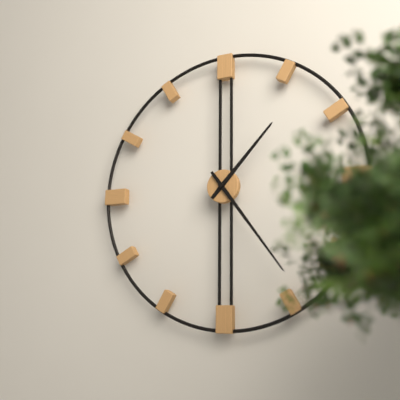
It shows {"hour": 1, "minute": 24}
